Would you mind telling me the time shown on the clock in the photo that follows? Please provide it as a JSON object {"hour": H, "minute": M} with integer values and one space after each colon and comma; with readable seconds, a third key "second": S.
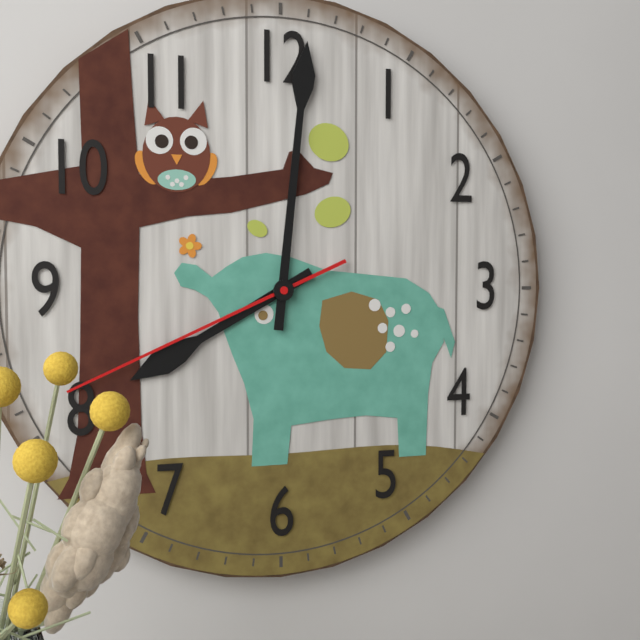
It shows {"hour": 8, "minute": 1, "second": 41}
